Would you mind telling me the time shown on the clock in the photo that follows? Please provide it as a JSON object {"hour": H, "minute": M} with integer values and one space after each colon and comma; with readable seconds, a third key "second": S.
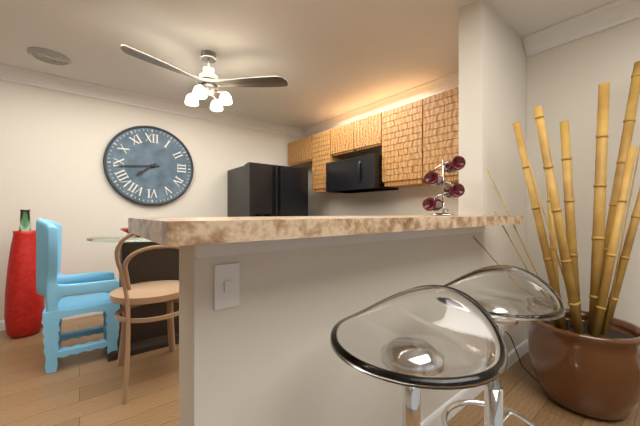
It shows {"hour": 7, "minute": 44}
